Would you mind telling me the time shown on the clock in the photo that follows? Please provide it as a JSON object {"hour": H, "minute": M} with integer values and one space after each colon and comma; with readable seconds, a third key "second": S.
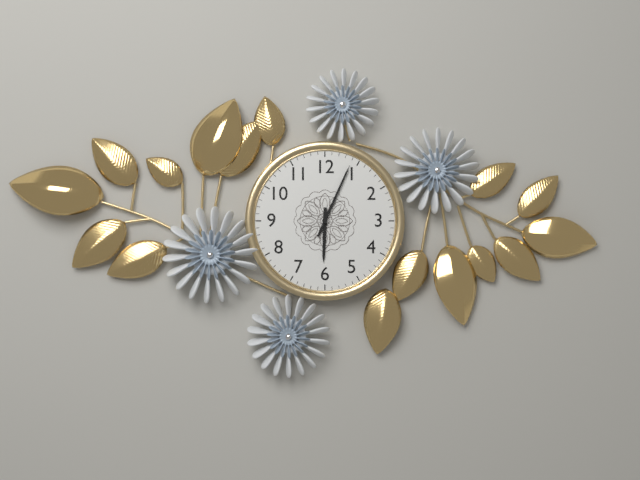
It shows {"hour": 6, "minute": 4}
